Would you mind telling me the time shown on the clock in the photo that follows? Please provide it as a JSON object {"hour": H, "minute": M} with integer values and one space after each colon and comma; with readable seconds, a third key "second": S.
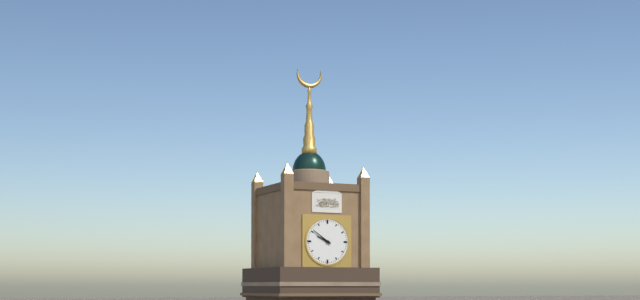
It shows {"hour": 9, "minute": 51}
